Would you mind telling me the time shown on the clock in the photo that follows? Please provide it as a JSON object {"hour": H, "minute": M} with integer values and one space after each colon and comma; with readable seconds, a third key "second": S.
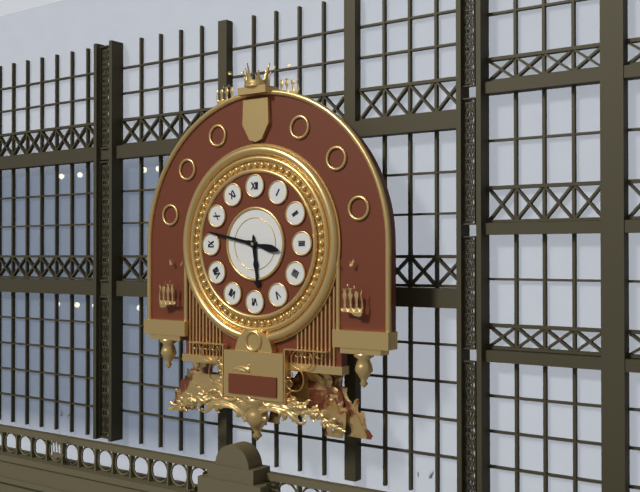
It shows {"hour": 5, "minute": 47}
